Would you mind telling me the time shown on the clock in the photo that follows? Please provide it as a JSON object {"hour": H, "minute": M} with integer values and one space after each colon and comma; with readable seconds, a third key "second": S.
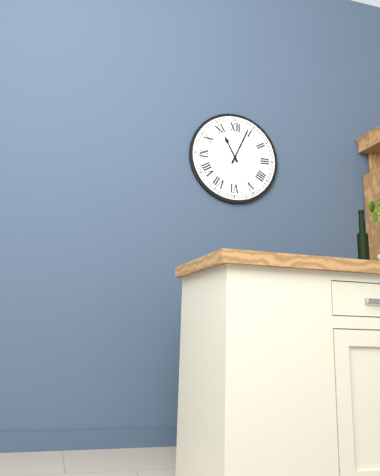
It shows {"hour": 11, "minute": 4}
